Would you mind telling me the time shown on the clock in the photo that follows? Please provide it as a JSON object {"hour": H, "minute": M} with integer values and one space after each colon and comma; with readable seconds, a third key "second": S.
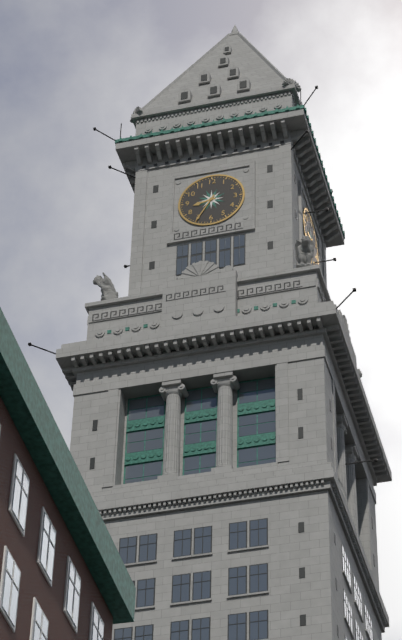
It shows {"hour": 8, "minute": 35}
